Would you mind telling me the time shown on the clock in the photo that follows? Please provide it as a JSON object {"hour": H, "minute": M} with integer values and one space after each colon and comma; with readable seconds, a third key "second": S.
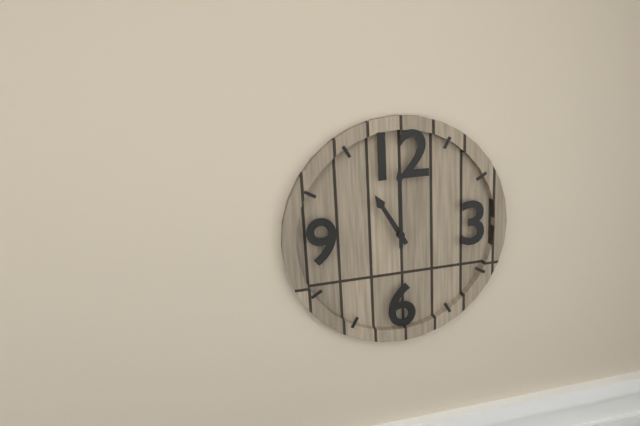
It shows {"hour": 11, "minute": 0}
